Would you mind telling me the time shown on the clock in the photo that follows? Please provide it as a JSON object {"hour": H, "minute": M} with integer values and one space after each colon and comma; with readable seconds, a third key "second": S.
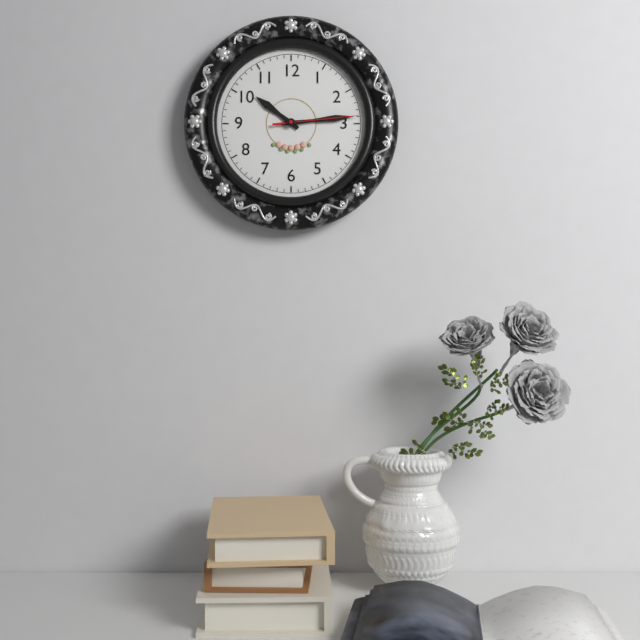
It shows {"hour": 10, "minute": 14, "second": 14}
